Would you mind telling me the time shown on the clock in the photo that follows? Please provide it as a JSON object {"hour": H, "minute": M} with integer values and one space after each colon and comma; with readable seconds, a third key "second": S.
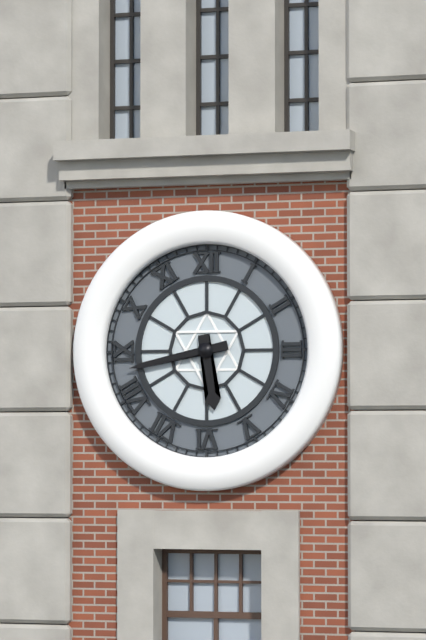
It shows {"hour": 5, "minute": 43}
